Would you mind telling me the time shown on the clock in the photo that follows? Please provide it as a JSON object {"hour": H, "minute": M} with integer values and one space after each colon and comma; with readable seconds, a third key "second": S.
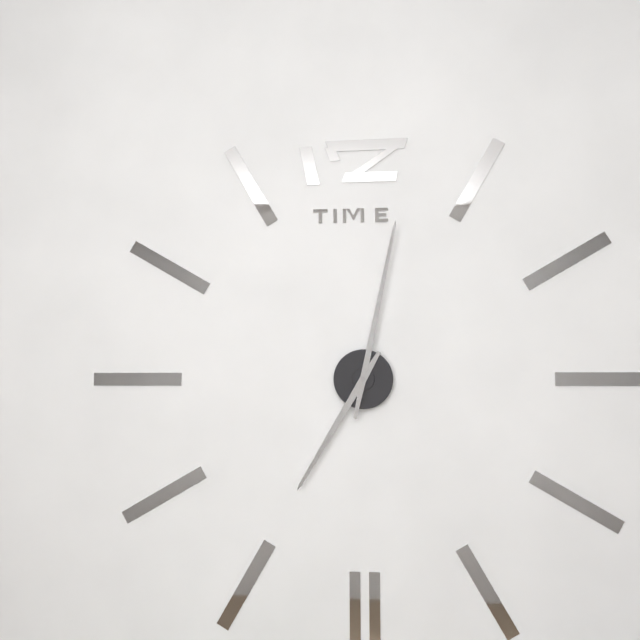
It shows {"hour": 7, "minute": 2}
